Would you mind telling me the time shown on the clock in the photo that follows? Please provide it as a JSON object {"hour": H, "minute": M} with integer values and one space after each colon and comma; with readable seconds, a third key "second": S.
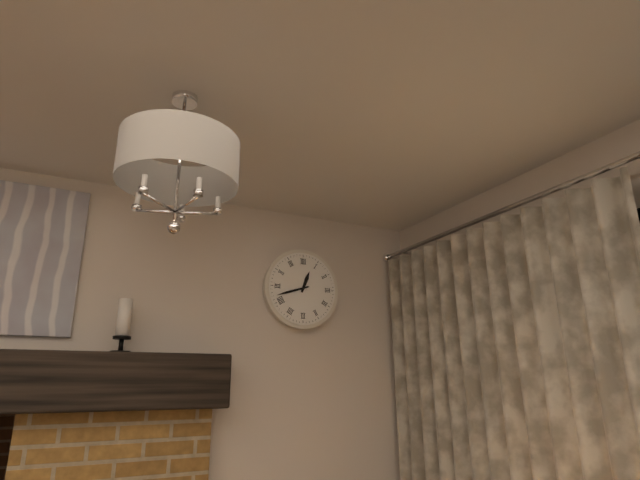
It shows {"hour": 12, "minute": 42}
